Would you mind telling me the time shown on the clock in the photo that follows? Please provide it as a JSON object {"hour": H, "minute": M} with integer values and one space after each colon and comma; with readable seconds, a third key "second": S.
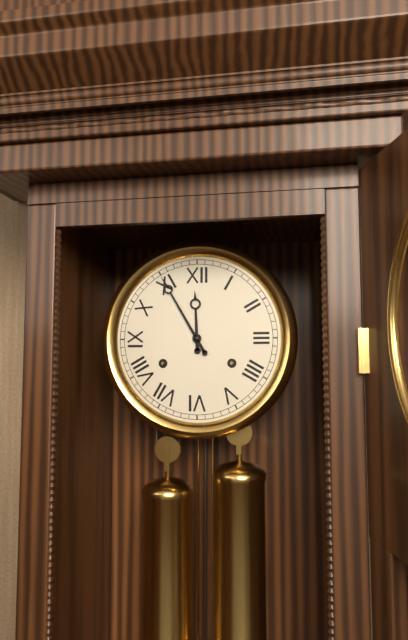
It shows {"hour": 11, "minute": 55}
